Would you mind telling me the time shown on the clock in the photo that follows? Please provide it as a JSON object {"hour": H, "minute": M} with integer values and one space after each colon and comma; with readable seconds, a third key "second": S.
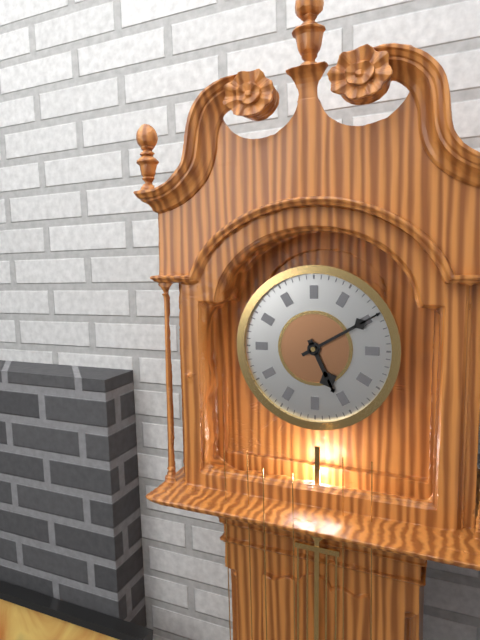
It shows {"hour": 5, "minute": 10}
